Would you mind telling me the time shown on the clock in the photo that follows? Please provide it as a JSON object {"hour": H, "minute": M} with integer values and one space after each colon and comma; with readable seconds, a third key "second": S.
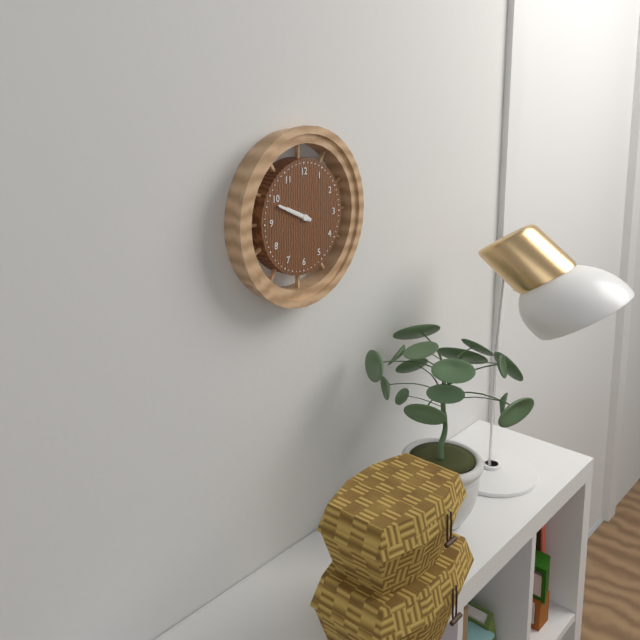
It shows {"hour": 9, "minute": 49}
